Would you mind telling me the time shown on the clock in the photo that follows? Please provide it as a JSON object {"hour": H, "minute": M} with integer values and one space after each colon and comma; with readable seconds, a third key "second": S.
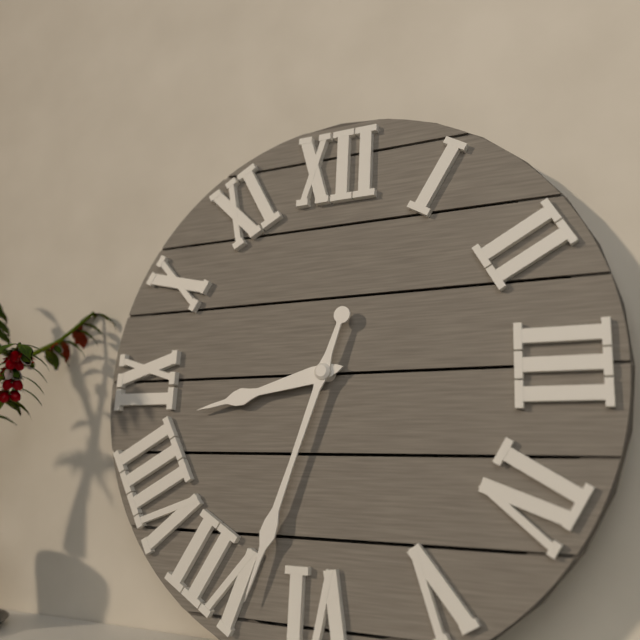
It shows {"hour": 8, "minute": 33}
